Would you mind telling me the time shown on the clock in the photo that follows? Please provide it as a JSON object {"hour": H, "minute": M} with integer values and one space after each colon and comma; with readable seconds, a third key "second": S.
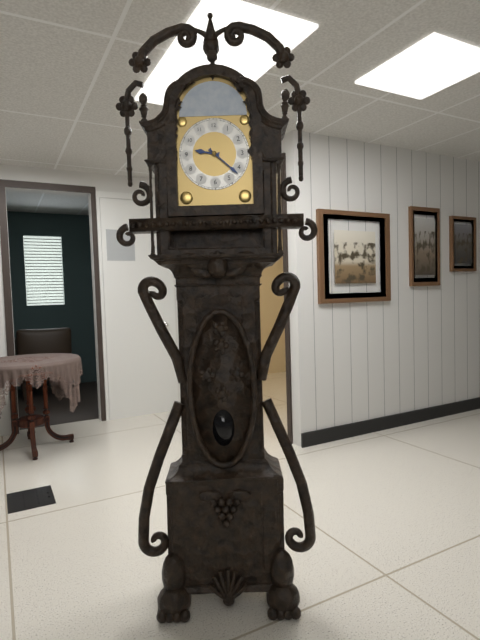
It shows {"hour": 9, "minute": 22}
